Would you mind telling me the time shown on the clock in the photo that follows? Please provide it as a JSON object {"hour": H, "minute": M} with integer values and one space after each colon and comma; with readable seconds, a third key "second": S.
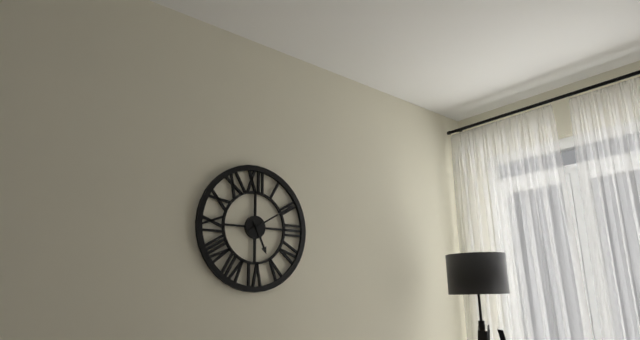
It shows {"hour": 5, "minute": 10}
